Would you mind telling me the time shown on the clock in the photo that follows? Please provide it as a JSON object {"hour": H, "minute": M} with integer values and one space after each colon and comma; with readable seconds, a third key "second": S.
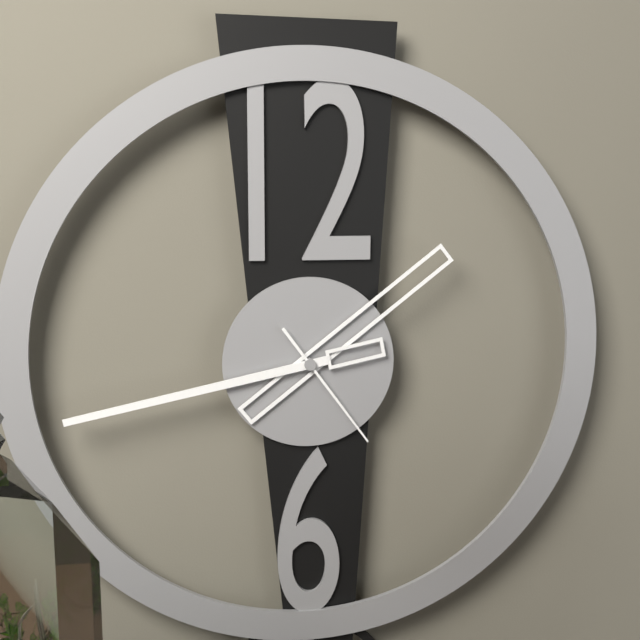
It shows {"hour": 1, "minute": 43, "second": 24}
